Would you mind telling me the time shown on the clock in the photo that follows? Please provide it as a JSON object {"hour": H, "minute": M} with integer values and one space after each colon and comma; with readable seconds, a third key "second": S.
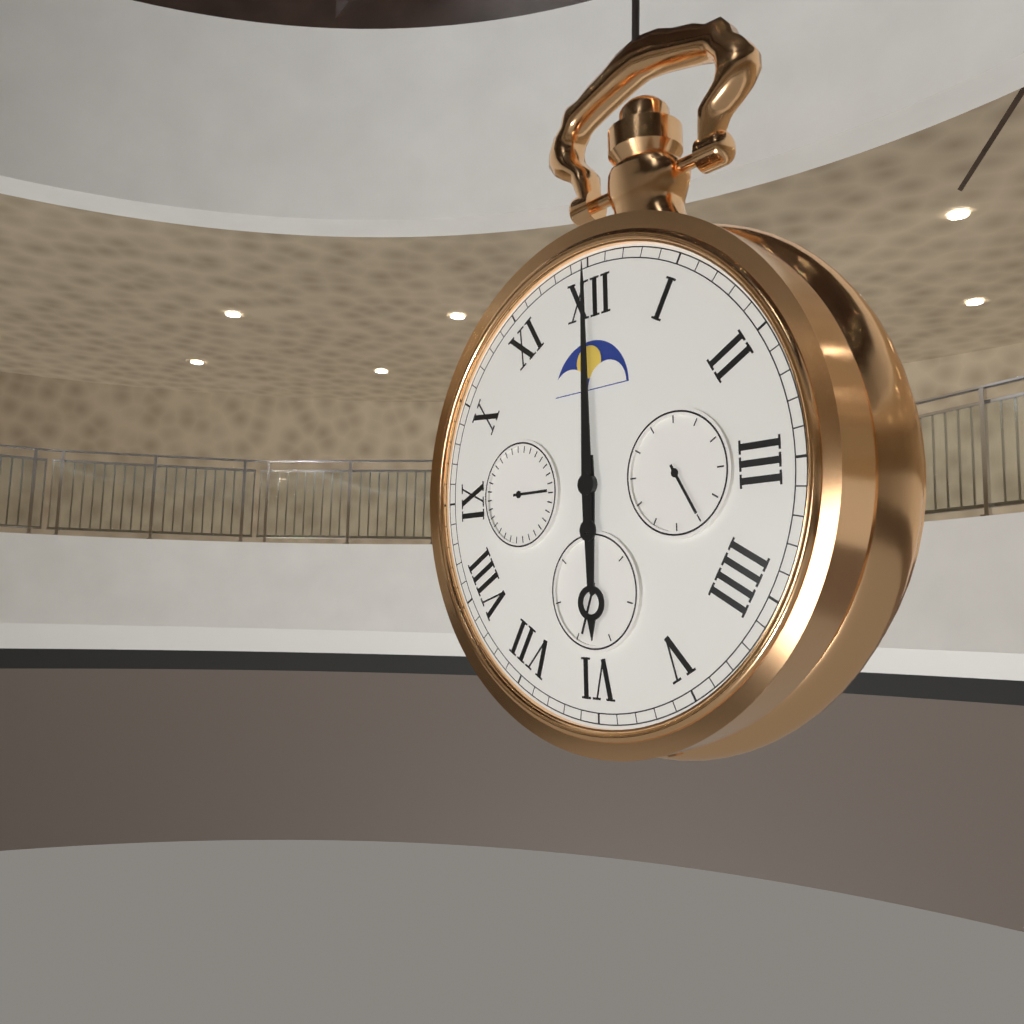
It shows {"hour": 6, "minute": 0}
